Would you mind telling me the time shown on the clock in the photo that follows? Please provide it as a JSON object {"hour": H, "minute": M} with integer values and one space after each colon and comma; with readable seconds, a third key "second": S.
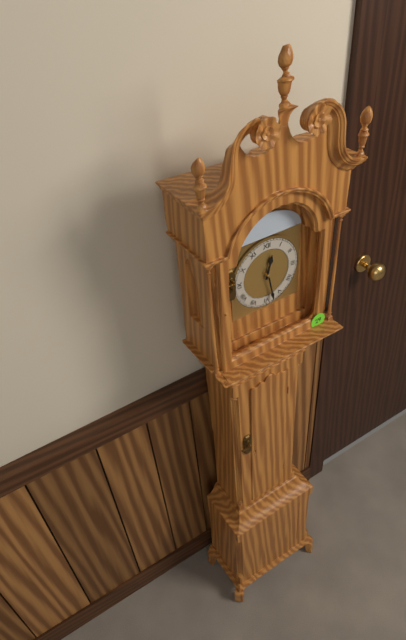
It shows {"hour": 12, "minute": 28}
